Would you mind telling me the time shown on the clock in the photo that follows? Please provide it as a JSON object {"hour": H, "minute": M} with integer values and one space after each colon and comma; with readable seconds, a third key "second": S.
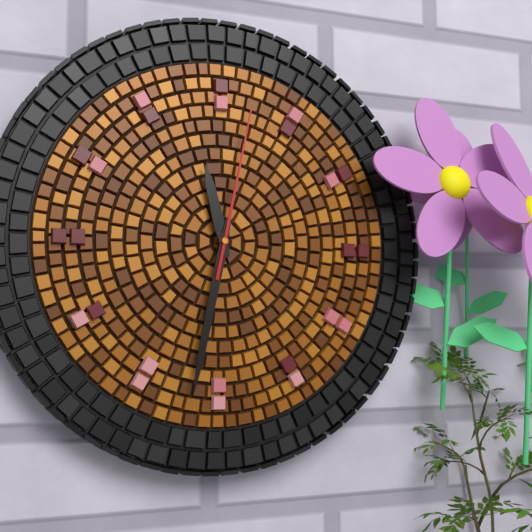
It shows {"hour": 11, "minute": 32, "second": 2}
